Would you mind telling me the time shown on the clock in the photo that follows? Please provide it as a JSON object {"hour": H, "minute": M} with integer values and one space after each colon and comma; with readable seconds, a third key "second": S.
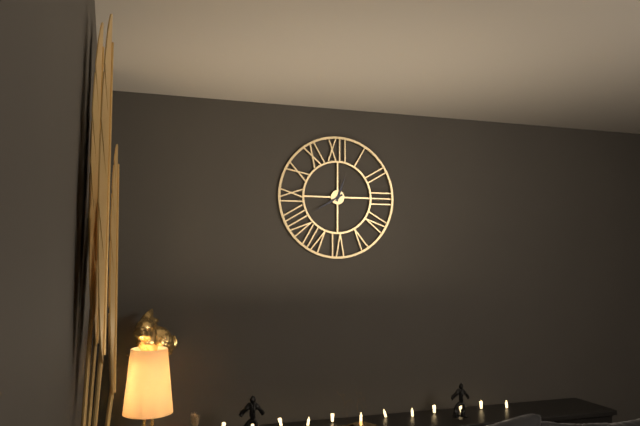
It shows {"hour": 12, "minute": 40}
